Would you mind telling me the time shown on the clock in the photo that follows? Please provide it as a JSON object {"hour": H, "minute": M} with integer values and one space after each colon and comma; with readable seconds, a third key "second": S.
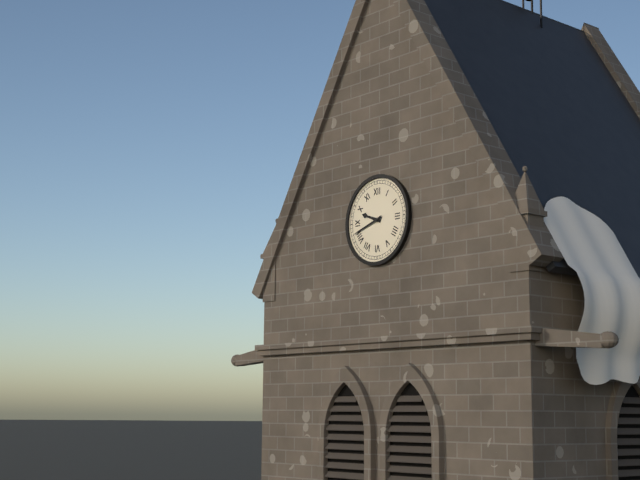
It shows {"hour": 9, "minute": 42}
